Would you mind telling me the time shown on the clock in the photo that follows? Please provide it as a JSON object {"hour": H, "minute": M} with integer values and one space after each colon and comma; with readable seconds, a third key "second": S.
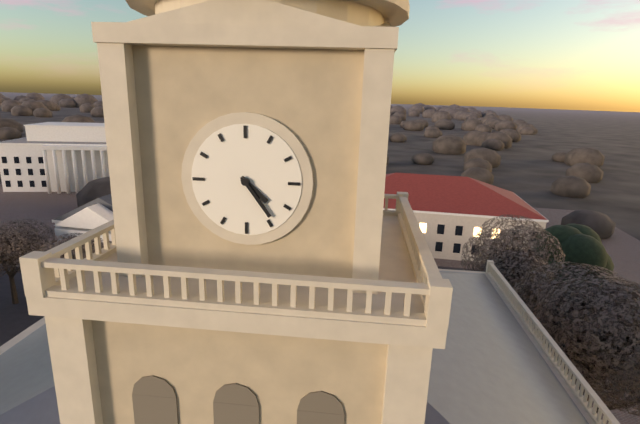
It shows {"hour": 4, "minute": 24}
